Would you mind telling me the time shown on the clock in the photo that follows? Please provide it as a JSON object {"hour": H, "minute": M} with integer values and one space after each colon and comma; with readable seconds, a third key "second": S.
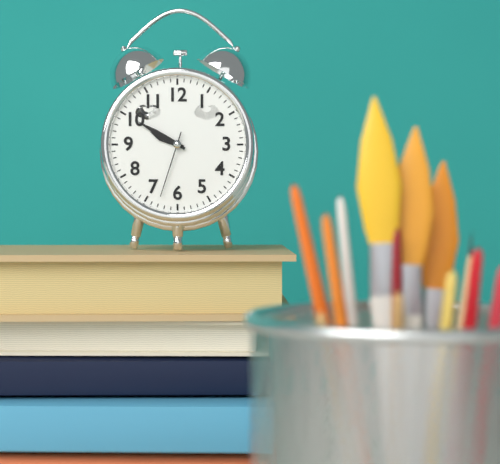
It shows {"hour": 9, "minute": 50, "second": 33}
